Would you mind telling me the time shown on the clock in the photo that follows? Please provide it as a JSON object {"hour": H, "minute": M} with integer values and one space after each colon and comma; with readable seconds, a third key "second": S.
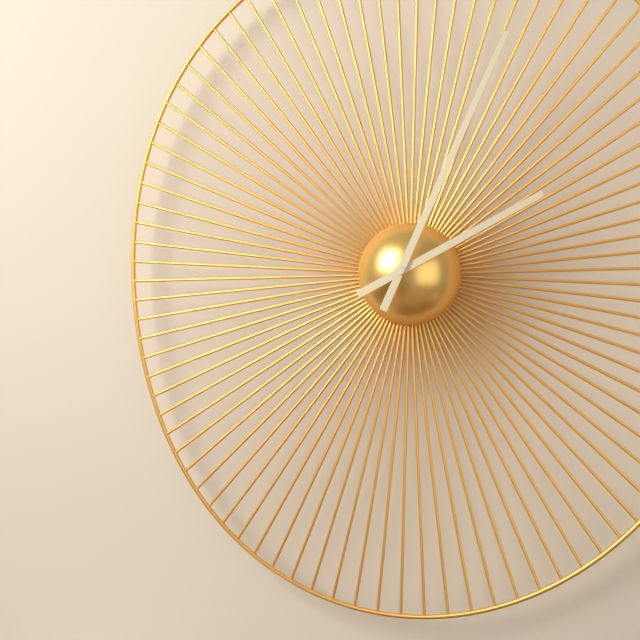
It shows {"hour": 2, "minute": 4}
